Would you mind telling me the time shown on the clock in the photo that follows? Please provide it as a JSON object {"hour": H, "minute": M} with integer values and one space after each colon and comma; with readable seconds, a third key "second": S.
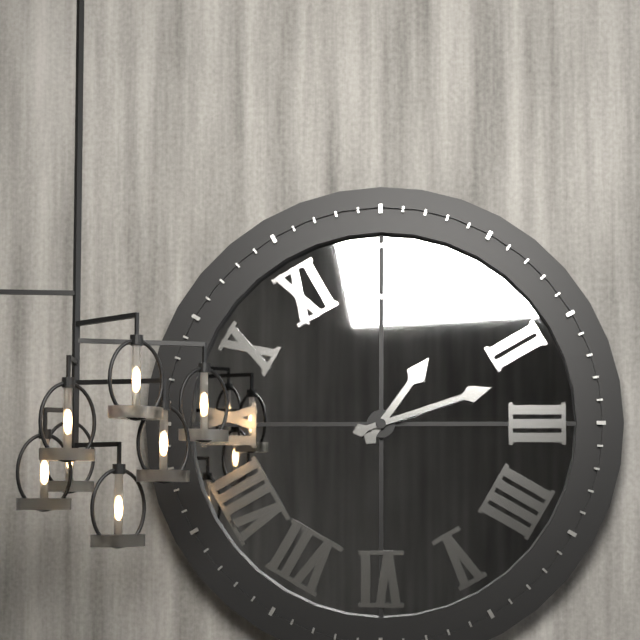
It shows {"hour": 1, "minute": 12}
